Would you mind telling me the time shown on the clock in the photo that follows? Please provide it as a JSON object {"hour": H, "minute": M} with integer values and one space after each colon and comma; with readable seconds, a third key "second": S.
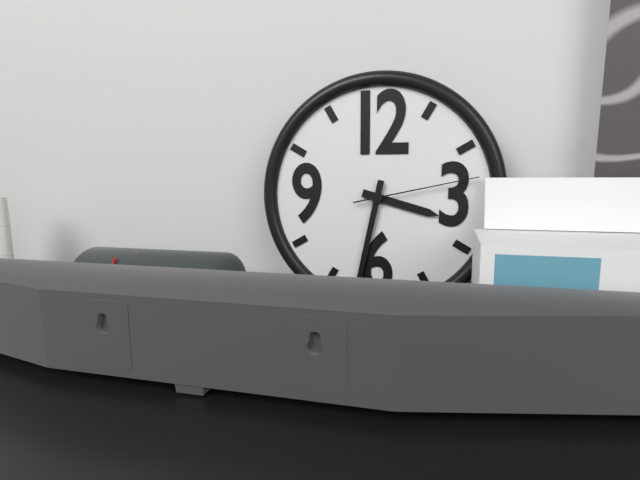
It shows {"hour": 3, "minute": 32, "second": 13}
